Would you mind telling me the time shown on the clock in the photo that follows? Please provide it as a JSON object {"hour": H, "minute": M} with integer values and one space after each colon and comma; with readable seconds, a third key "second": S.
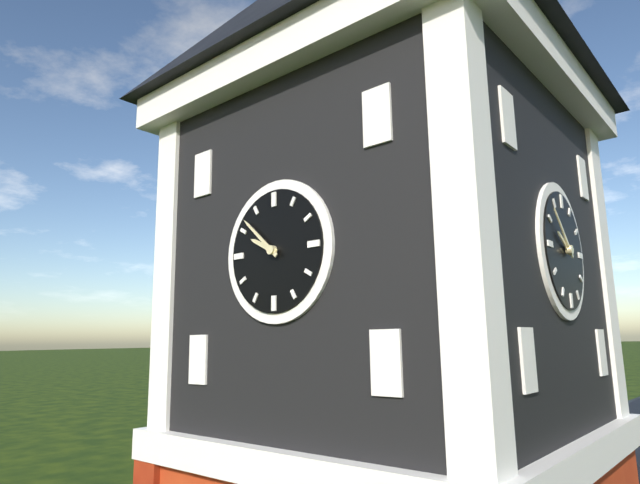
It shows {"hour": 9, "minute": 52}
